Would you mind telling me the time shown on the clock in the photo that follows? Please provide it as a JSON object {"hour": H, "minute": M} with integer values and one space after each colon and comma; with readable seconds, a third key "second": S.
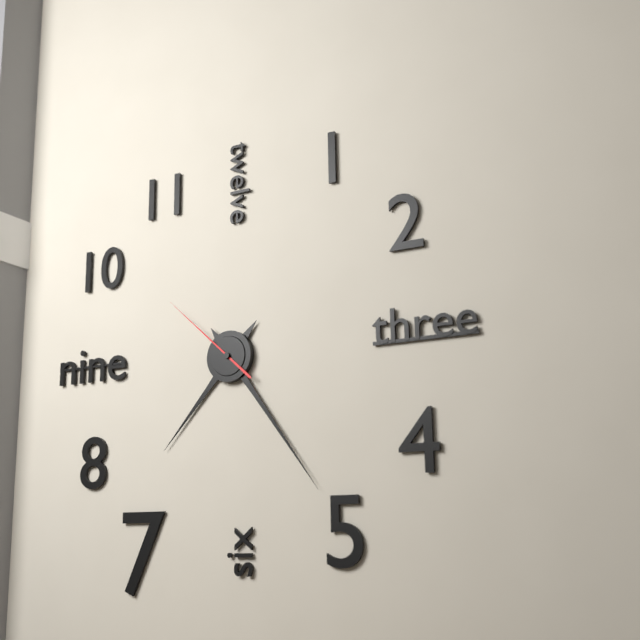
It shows {"hour": 7, "minute": 24, "second": 52}
